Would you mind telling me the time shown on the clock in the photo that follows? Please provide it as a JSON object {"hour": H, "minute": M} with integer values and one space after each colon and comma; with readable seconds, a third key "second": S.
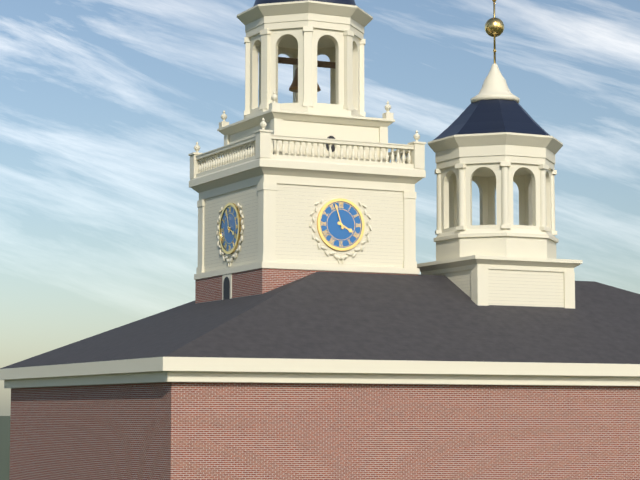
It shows {"hour": 3, "minute": 57}
